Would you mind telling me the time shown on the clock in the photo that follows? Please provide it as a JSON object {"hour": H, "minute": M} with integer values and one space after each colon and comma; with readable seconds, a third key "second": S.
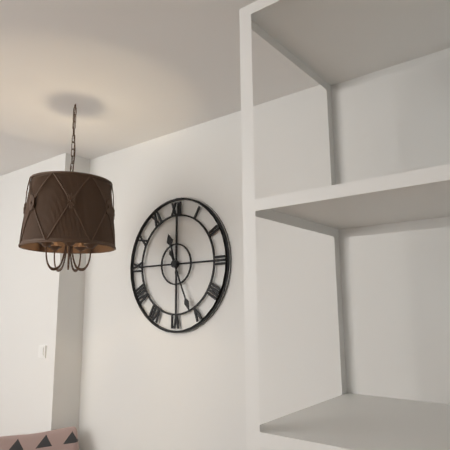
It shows {"hour": 11, "minute": 26}
